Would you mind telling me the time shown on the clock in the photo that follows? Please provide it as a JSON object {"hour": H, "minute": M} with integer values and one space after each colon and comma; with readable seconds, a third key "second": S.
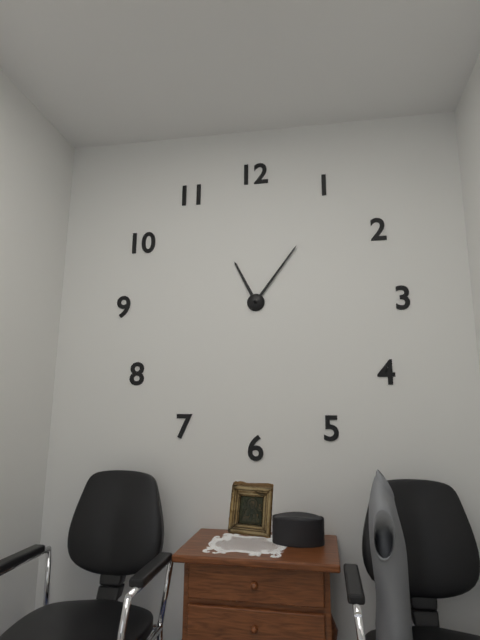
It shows {"hour": 11, "minute": 6}
